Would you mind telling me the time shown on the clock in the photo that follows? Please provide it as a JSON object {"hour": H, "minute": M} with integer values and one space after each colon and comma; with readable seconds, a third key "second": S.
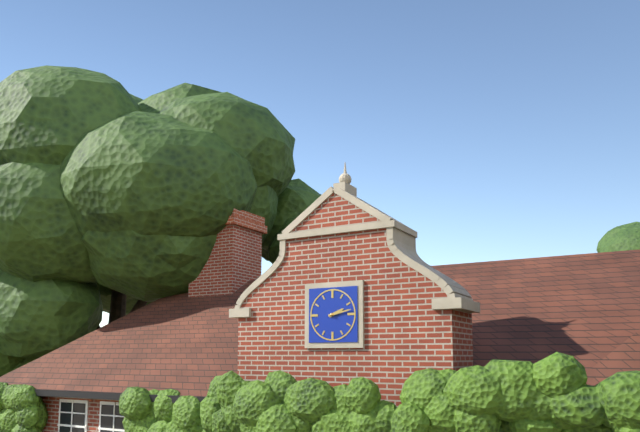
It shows {"hour": 2, "minute": 13}
